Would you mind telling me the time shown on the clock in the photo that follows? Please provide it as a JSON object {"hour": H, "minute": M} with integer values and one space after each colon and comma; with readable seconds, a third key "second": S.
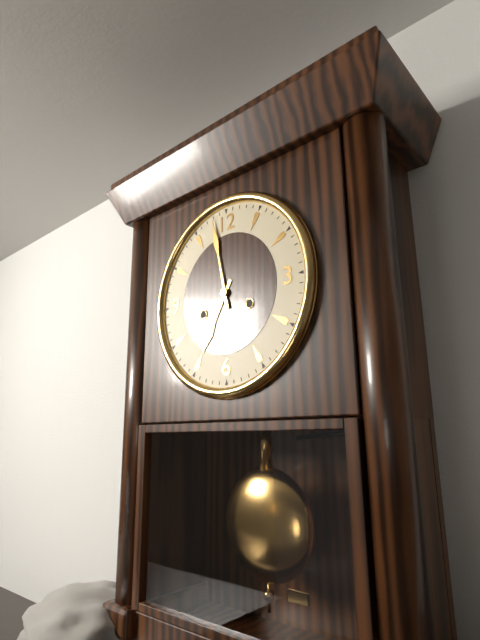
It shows {"hour": 6, "minute": 58}
